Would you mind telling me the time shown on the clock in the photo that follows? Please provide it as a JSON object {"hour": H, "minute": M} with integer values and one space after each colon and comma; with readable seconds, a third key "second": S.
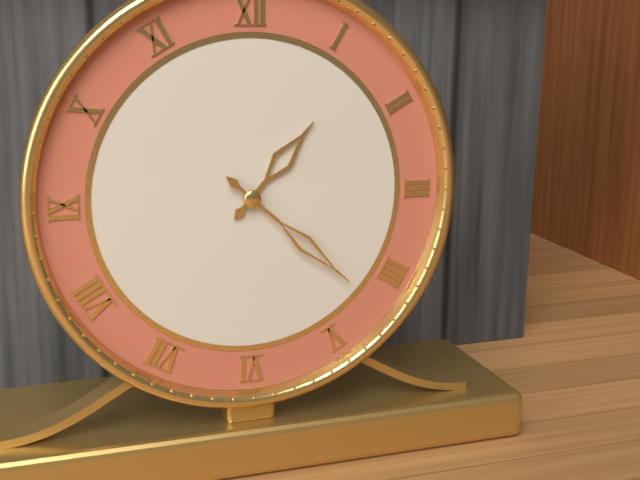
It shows {"hour": 1, "minute": 22}
